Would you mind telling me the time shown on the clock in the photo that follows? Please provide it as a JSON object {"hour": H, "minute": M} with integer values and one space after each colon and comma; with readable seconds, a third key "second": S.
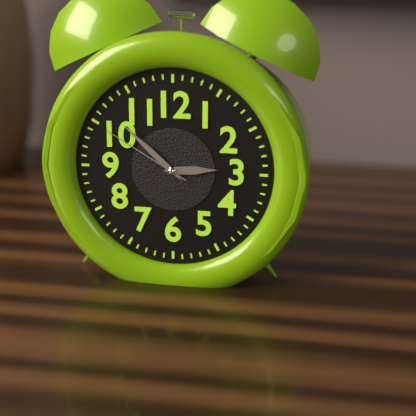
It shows {"hour": 2, "minute": 52, "second": 50}
